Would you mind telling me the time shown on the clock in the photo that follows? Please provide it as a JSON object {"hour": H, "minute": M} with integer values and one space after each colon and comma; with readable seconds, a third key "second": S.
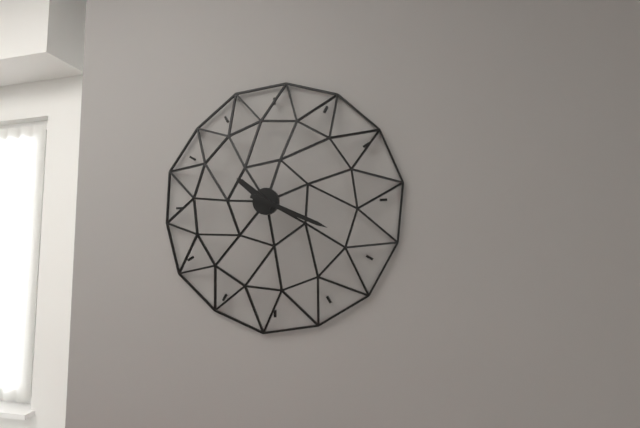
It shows {"hour": 10, "minute": 19}
